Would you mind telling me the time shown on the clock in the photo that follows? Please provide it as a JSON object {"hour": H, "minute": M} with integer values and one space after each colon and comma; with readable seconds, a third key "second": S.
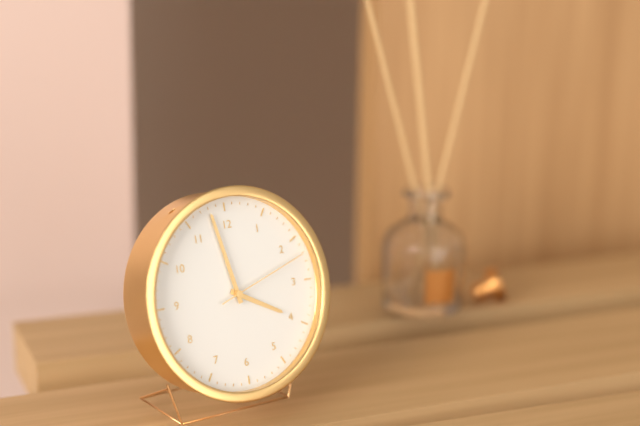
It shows {"hour": 3, "minute": 58, "second": 12}
